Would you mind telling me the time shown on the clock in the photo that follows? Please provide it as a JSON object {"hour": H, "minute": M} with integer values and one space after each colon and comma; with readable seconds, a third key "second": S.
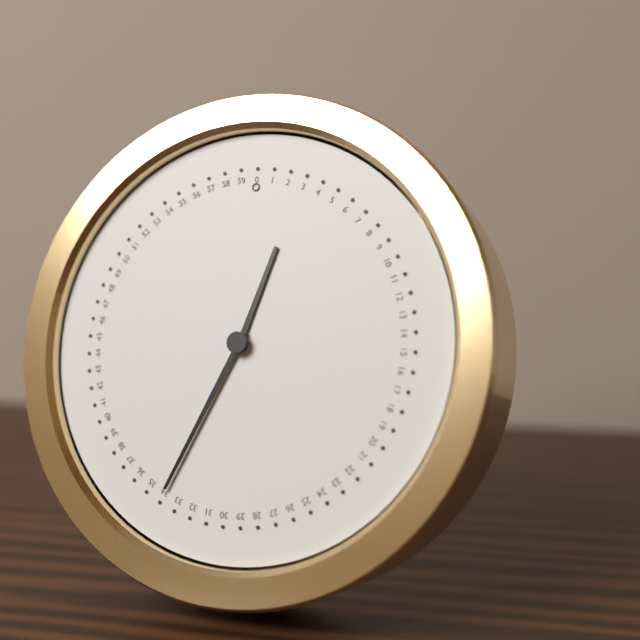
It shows {"hour": 12, "minute": 34}
